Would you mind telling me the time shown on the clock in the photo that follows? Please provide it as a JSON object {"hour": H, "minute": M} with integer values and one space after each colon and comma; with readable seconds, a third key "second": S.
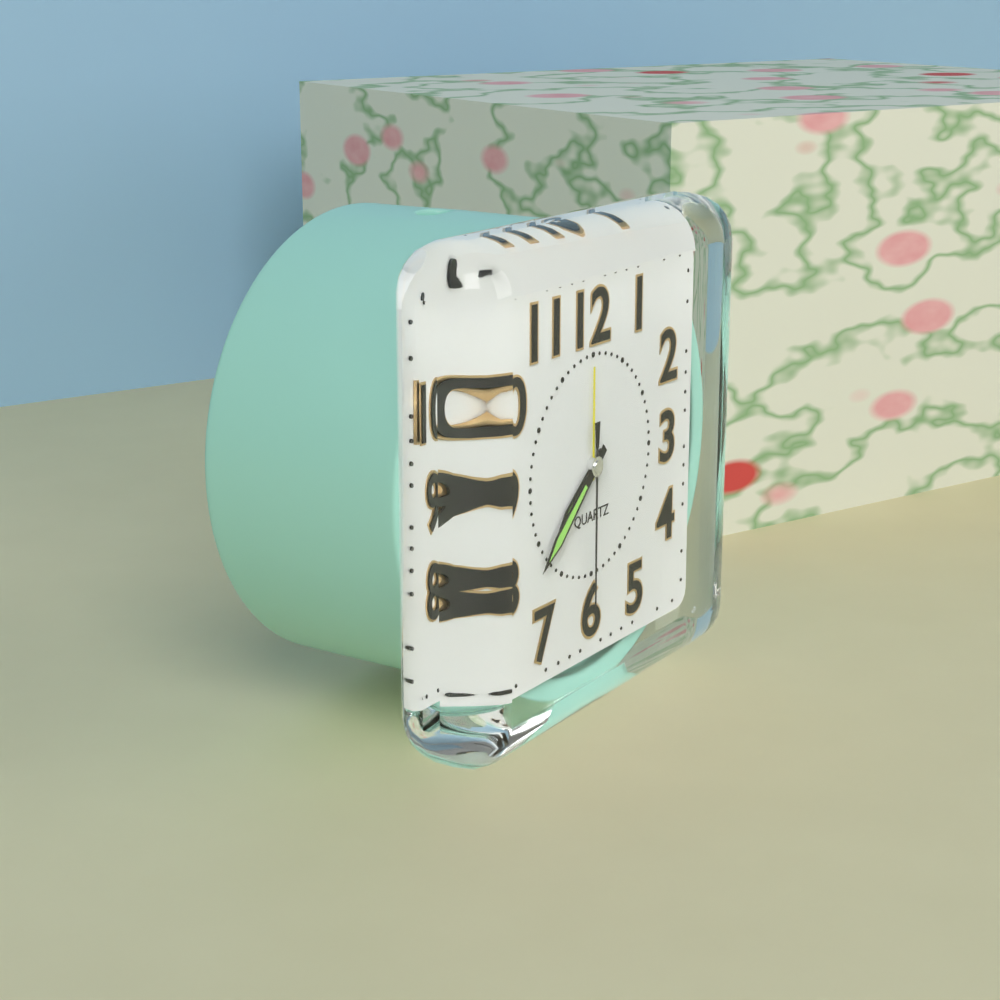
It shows {"hour": 7, "minute": 38, "second": 30}
